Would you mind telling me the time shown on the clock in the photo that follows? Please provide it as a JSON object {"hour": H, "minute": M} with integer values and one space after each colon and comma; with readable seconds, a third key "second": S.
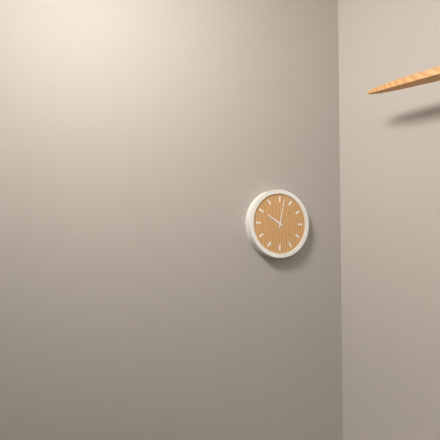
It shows {"hour": 10, "minute": 2}
